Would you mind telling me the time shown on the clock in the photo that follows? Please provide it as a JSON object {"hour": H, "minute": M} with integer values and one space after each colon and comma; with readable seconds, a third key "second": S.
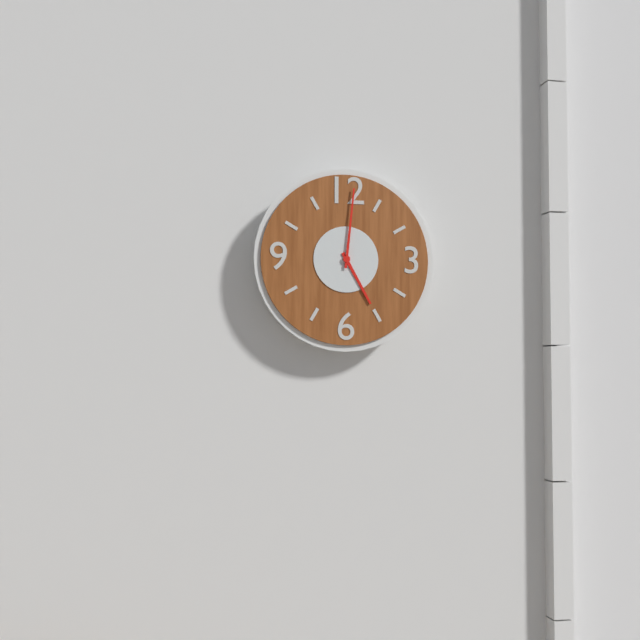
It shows {"hour": 5, "minute": 1}
